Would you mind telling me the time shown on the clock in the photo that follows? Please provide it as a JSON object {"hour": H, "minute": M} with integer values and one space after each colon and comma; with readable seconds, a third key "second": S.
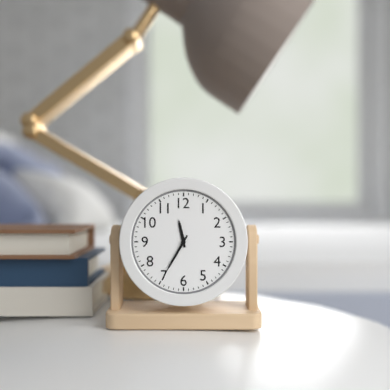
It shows {"hour": 11, "minute": 35}
